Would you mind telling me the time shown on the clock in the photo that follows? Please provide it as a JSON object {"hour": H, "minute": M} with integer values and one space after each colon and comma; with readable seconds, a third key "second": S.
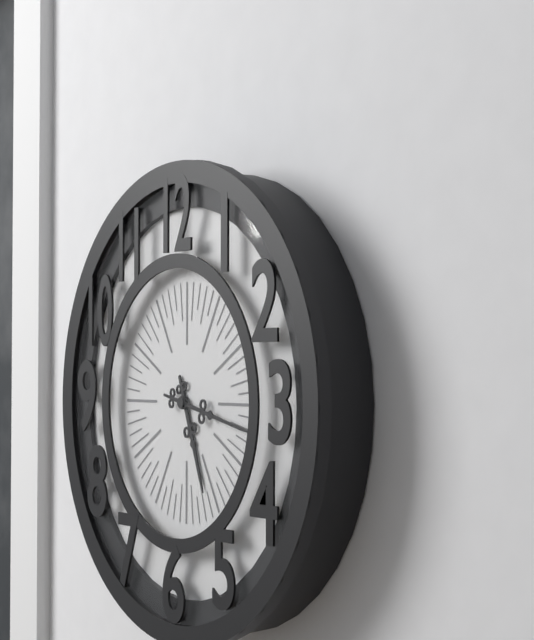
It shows {"hour": 5, "minute": 17}
